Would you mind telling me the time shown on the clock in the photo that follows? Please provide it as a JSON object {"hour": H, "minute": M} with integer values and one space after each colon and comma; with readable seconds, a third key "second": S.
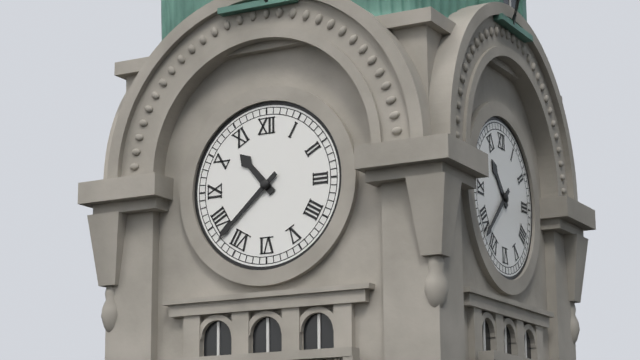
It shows {"hour": 10, "minute": 38}
